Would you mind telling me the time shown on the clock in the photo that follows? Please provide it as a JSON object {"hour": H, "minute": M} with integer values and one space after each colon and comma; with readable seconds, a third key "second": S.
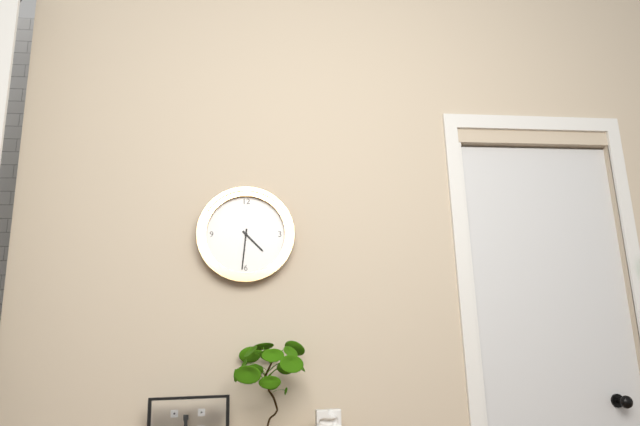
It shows {"hour": 4, "minute": 31}
